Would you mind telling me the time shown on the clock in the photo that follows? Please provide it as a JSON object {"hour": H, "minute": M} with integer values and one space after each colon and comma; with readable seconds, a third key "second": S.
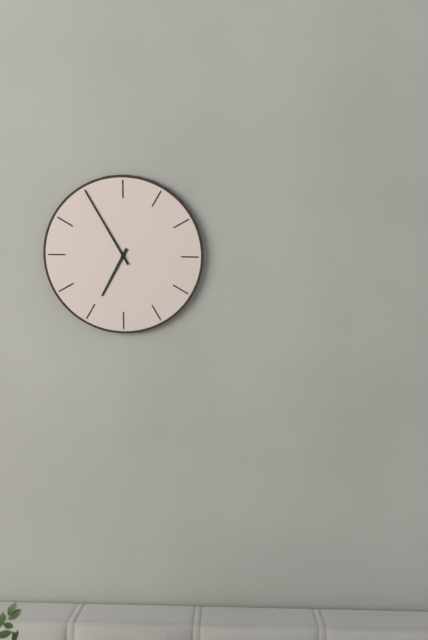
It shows {"hour": 6, "minute": 55}
